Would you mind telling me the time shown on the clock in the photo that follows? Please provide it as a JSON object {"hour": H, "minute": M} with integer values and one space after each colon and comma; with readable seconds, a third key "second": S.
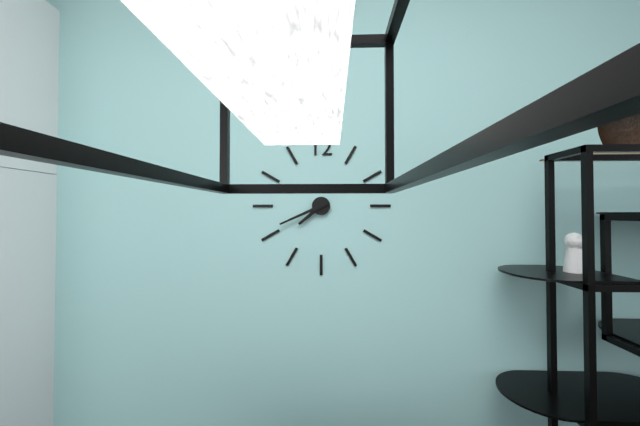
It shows {"hour": 7, "minute": 41}
